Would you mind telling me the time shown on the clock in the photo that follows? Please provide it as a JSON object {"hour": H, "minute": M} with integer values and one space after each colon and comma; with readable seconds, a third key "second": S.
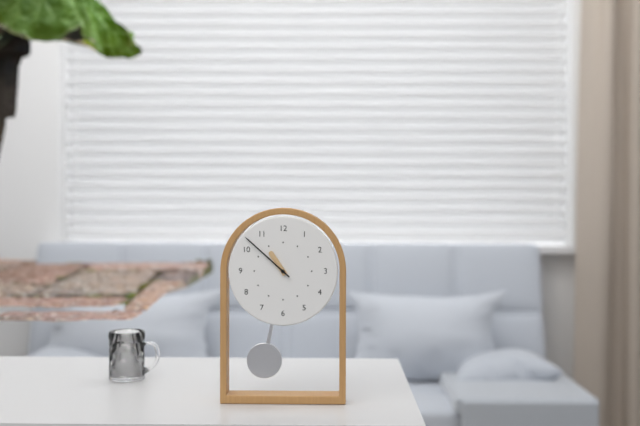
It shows {"hour": 10, "minute": 52}
